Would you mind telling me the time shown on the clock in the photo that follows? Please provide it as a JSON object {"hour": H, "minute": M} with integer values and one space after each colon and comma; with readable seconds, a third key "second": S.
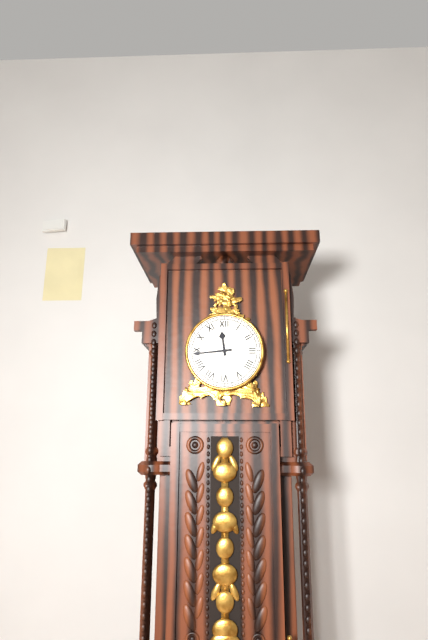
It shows {"hour": 11, "minute": 44}
